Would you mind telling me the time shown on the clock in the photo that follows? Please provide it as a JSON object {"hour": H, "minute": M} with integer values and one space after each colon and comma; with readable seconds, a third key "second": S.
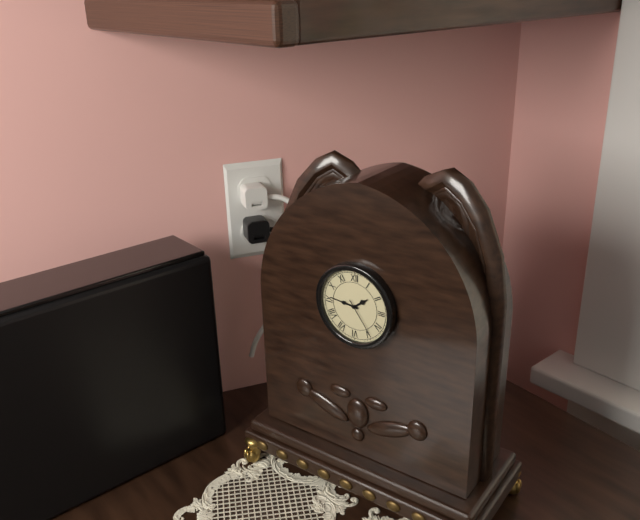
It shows {"hour": 1, "minute": 46}
